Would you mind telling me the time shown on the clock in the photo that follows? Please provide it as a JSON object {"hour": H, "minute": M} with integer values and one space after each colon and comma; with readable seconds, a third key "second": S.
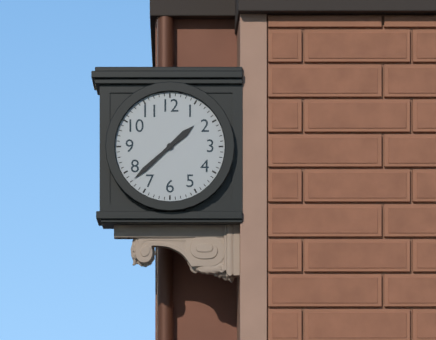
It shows {"hour": 1, "minute": 38}
